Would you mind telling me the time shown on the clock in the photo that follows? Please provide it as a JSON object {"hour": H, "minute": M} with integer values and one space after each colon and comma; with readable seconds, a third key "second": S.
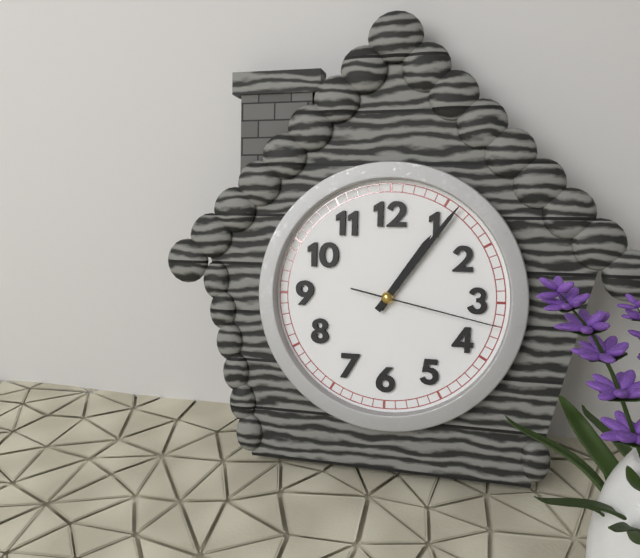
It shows {"hour": 1, "minute": 6, "second": 17}
